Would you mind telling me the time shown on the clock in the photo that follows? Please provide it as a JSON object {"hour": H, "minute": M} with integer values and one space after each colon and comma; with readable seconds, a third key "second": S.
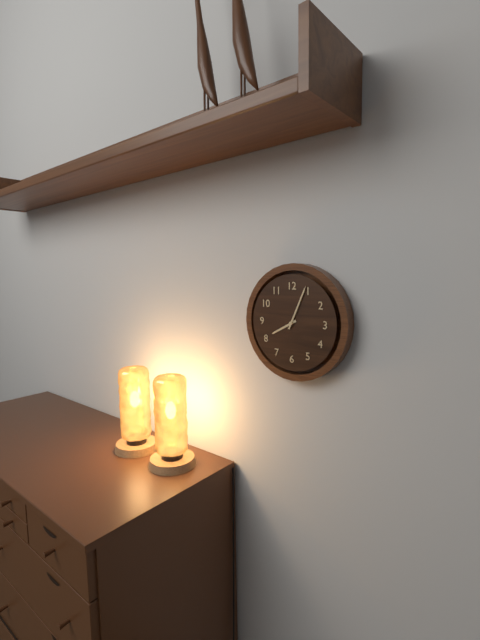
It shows {"hour": 8, "minute": 4}
